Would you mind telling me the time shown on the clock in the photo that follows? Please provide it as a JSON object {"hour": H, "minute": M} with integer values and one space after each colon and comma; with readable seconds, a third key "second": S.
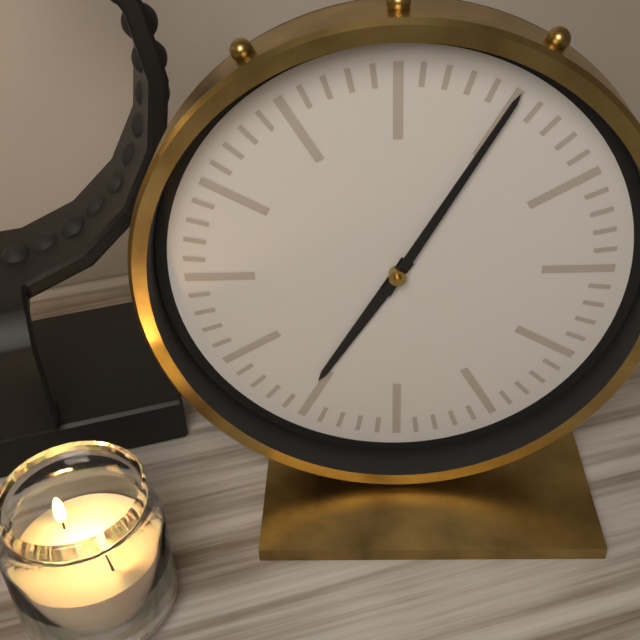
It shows {"hour": 7, "minute": 5}
